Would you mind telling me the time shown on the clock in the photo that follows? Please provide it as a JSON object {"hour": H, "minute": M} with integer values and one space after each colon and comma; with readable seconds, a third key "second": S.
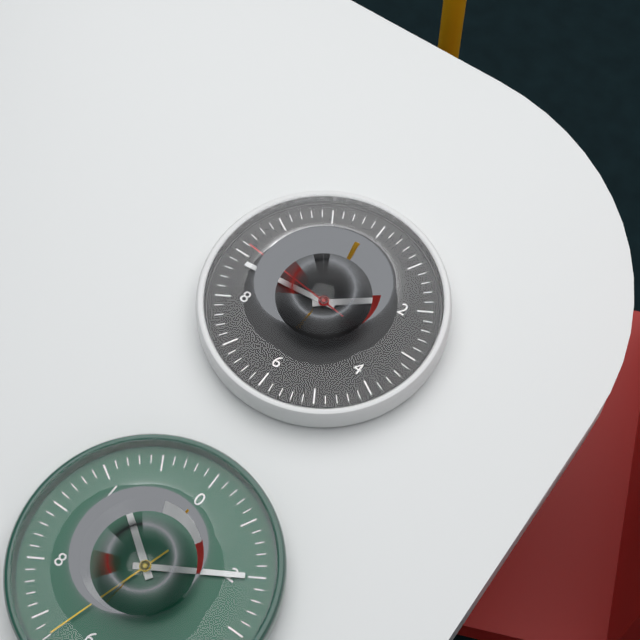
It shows {"hour": 1, "minute": 44, "second": 46}
